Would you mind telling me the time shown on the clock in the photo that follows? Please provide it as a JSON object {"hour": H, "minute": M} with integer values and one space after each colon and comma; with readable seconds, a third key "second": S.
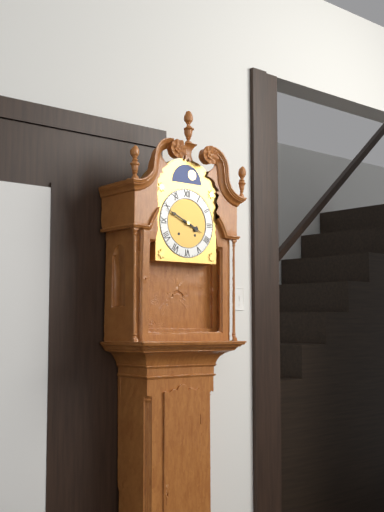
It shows {"hour": 3, "minute": 49}
